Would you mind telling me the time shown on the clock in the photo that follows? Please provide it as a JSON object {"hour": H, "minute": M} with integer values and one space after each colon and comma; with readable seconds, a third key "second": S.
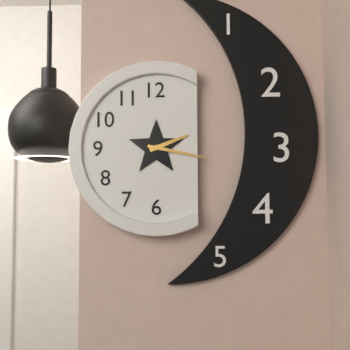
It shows {"hour": 2, "minute": 17}
